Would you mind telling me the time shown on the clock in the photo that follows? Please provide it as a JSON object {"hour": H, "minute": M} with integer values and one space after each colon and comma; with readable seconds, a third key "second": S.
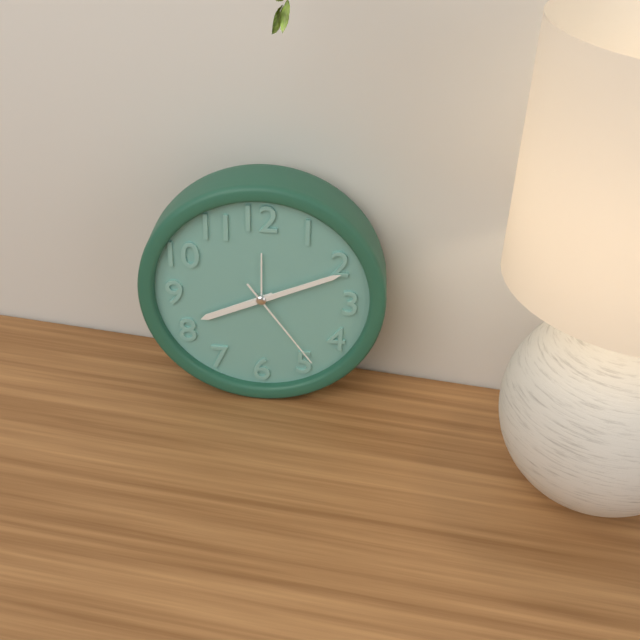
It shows {"hour": 8, "minute": 11, "second": 24}
